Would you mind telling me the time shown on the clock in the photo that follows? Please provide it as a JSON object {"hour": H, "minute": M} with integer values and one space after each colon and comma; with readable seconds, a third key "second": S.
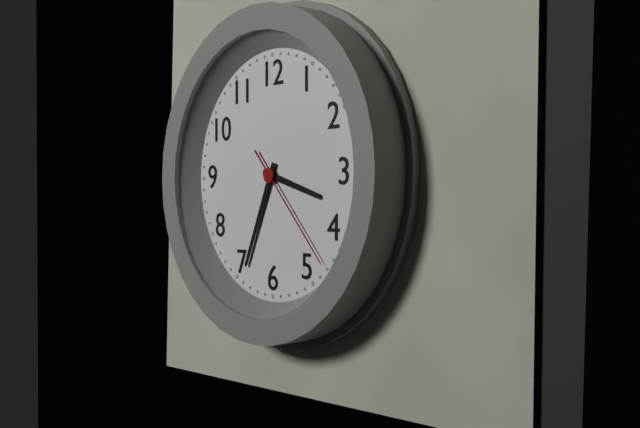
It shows {"hour": 3, "minute": 34, "second": 23}
